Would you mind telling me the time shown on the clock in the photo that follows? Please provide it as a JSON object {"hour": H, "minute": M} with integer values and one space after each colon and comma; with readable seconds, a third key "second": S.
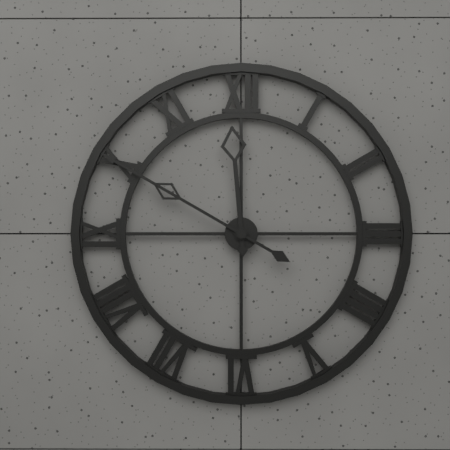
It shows {"hour": 11, "minute": 50}
